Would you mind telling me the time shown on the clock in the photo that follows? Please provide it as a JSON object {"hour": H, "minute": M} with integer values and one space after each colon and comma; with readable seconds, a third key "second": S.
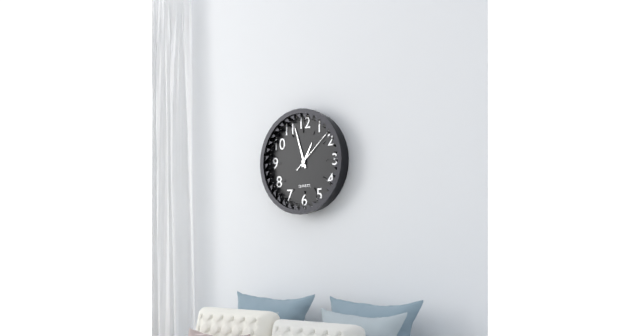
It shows {"hour": 12, "minute": 57}
